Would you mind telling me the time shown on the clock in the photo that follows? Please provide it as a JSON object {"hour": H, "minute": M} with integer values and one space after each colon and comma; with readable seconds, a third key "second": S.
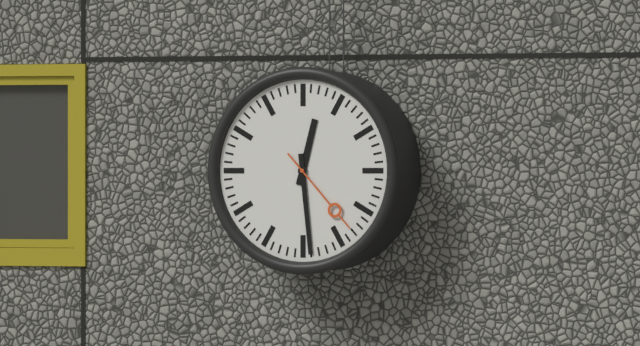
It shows {"hour": 12, "minute": 29, "second": 23}
